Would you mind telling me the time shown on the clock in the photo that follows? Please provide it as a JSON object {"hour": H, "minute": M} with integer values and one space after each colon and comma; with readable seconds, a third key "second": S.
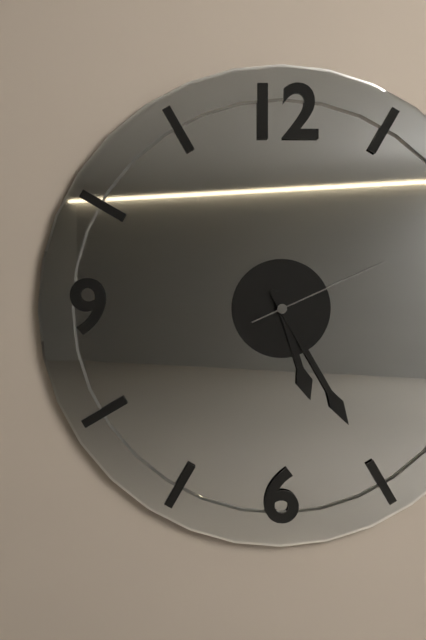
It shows {"hour": 5, "minute": 25, "second": 11}
